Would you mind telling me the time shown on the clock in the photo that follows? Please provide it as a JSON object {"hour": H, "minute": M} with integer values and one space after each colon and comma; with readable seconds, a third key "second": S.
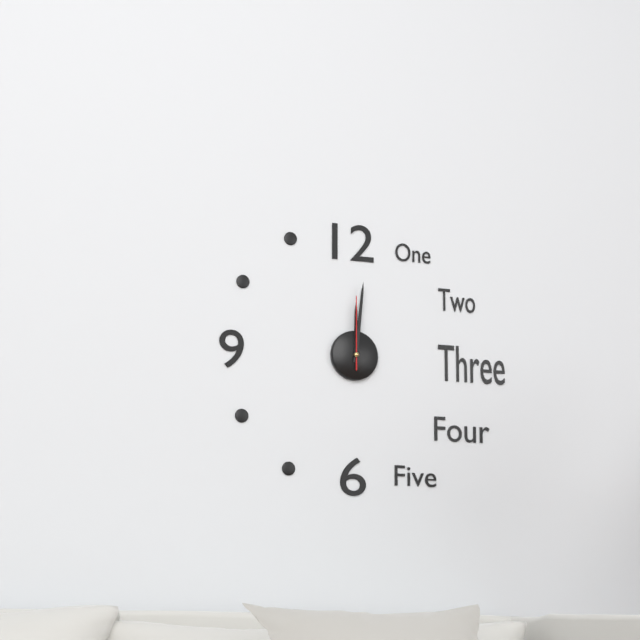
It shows {"hour": 12, "minute": 1, "second": 0}
